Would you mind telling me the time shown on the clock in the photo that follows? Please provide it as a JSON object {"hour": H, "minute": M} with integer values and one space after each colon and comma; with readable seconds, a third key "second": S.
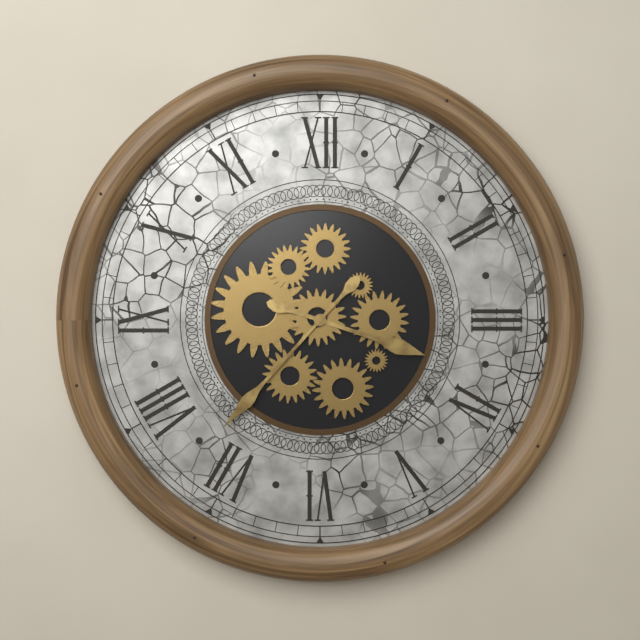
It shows {"hour": 3, "minute": 37}
